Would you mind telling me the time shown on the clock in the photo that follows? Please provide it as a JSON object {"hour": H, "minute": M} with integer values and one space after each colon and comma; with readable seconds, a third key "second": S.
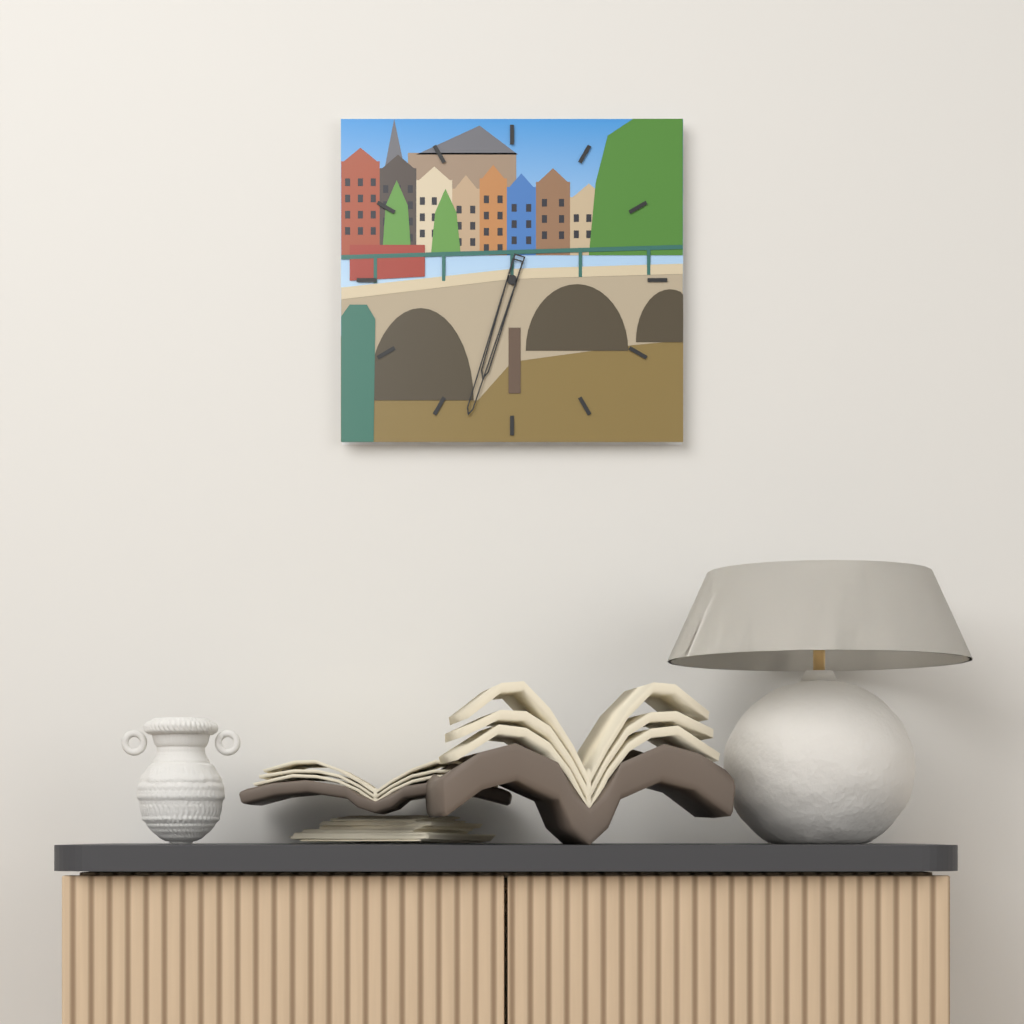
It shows {"hour": 6, "minute": 33}
